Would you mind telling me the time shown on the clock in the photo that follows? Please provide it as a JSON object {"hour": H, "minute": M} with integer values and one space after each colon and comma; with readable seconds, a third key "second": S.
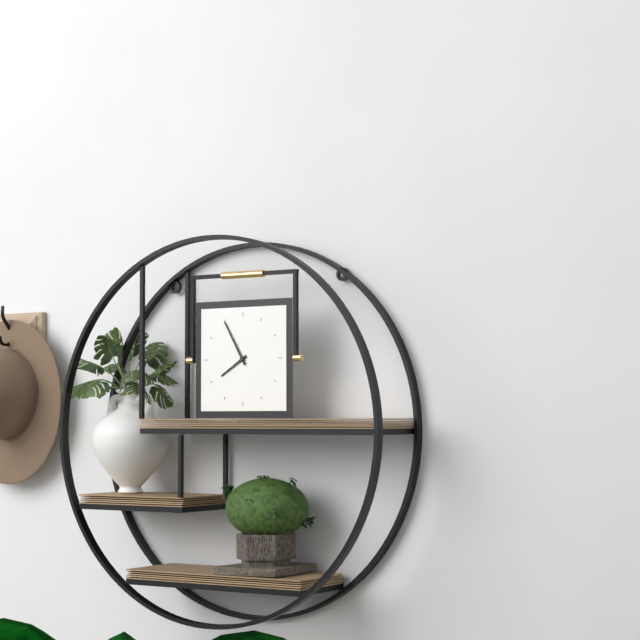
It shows {"hour": 7, "minute": 55}
